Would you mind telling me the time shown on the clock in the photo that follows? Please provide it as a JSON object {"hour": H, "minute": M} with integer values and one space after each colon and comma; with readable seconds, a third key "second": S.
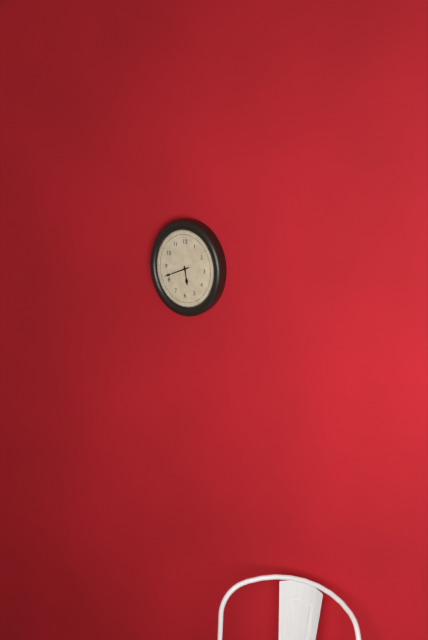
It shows {"hour": 5, "minute": 41}
